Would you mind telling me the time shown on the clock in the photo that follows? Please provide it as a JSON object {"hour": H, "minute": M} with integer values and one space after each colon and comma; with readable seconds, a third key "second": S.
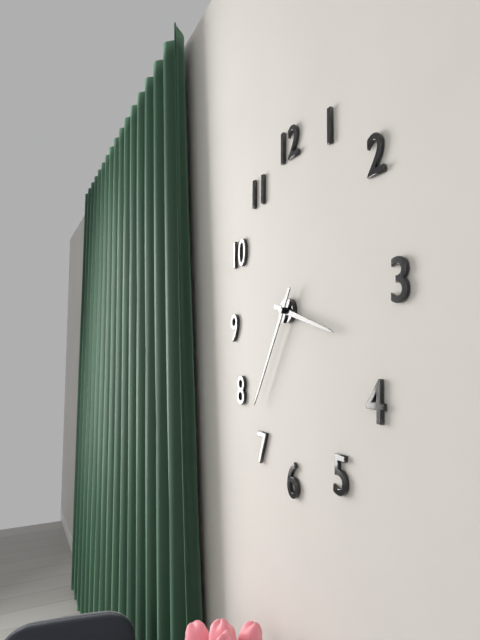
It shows {"hour": 3, "minute": 35}
